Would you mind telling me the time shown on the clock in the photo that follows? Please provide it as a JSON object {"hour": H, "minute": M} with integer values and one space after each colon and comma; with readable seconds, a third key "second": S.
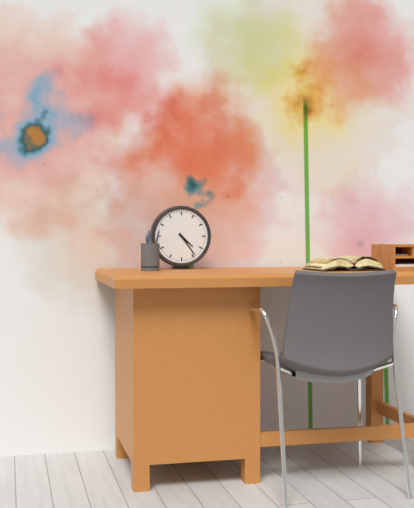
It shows {"hour": 4, "minute": 24}
